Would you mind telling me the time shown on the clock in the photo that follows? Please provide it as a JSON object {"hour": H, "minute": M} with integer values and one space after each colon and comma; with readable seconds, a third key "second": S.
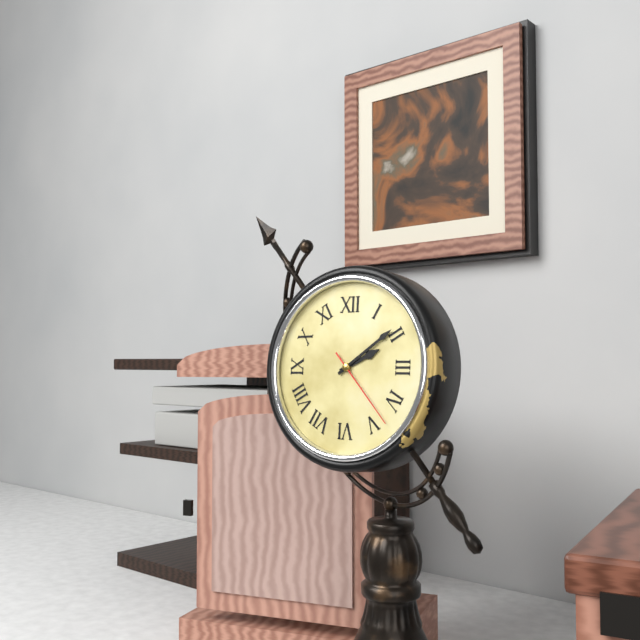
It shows {"hour": 2, "minute": 9, "second": 23}
